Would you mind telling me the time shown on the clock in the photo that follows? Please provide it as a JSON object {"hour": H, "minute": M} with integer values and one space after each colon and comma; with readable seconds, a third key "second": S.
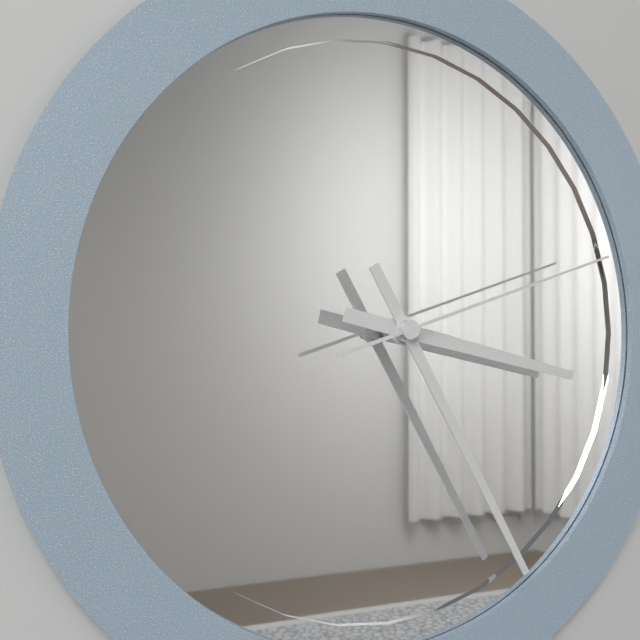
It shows {"hour": 3, "minute": 25, "second": 12}
